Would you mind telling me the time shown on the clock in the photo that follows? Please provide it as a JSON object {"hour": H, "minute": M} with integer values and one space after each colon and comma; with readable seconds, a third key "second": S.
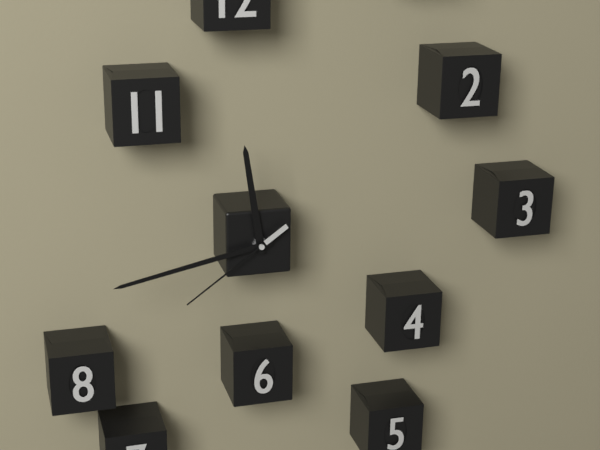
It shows {"hour": 11, "minute": 43, "second": 39}
